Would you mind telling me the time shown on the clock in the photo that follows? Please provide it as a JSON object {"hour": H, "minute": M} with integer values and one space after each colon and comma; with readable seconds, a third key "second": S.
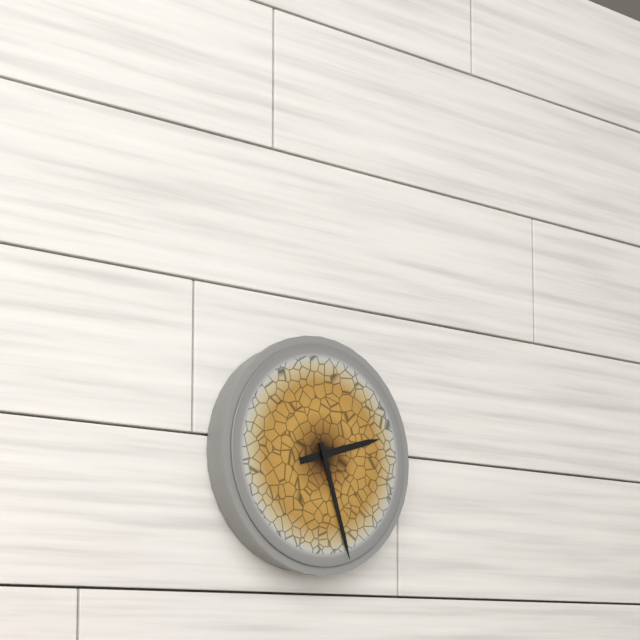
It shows {"hour": 2, "minute": 27}
